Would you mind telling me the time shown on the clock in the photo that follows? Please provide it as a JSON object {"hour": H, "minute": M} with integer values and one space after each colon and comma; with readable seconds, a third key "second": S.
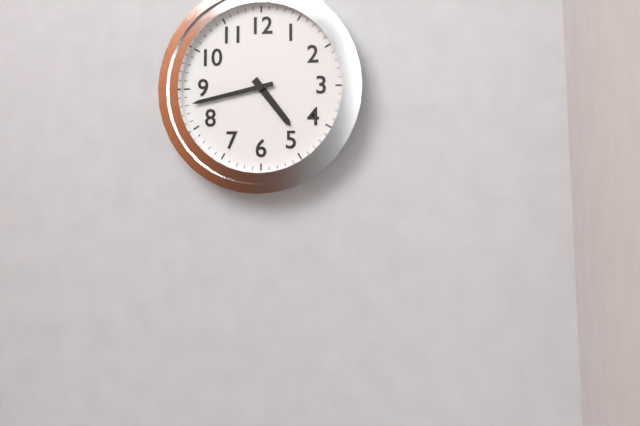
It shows {"hour": 4, "minute": 43}
